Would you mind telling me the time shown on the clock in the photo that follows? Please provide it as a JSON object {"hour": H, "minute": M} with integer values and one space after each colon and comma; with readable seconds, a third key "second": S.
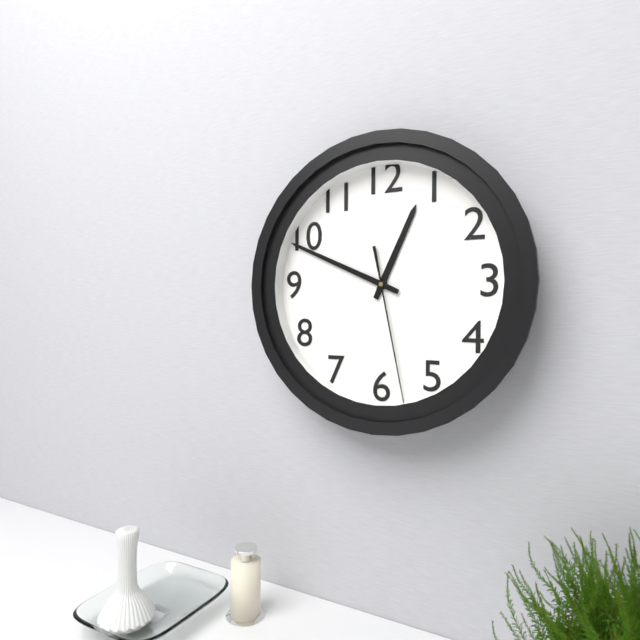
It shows {"hour": 12, "minute": 49, "second": 28}
